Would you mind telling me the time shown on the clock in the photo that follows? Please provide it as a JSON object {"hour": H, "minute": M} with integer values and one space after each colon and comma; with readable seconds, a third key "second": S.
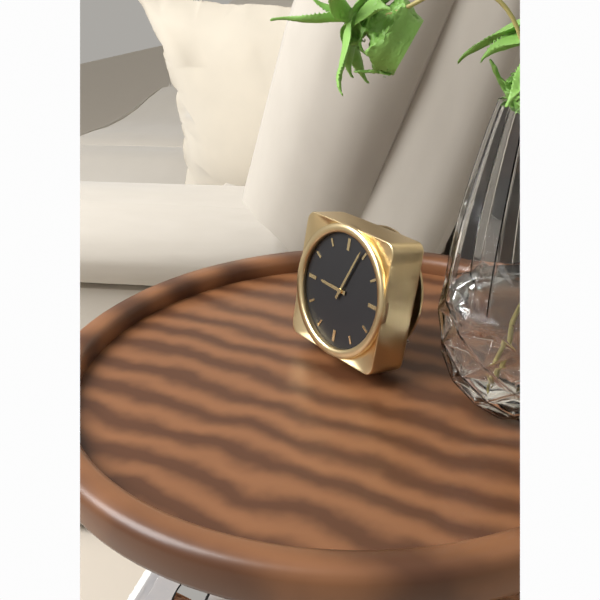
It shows {"hour": 9, "minute": 4}
